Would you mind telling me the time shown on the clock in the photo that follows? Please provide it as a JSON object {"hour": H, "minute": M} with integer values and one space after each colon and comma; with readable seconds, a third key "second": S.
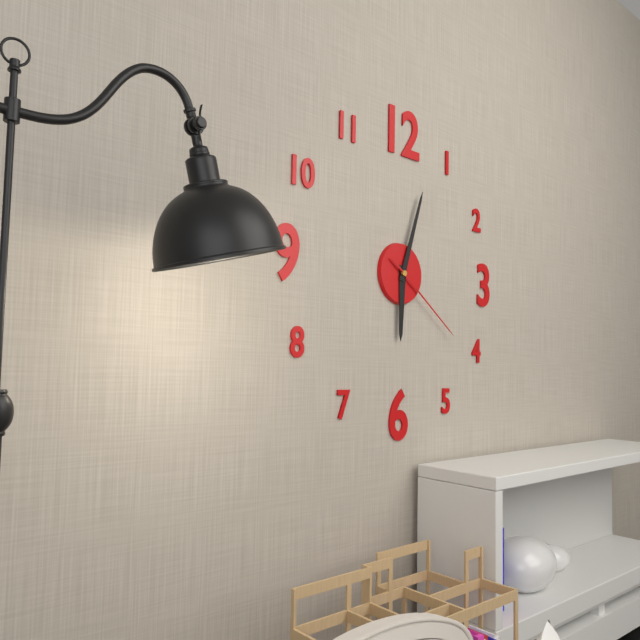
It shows {"hour": 6, "minute": 3, "second": 21}
